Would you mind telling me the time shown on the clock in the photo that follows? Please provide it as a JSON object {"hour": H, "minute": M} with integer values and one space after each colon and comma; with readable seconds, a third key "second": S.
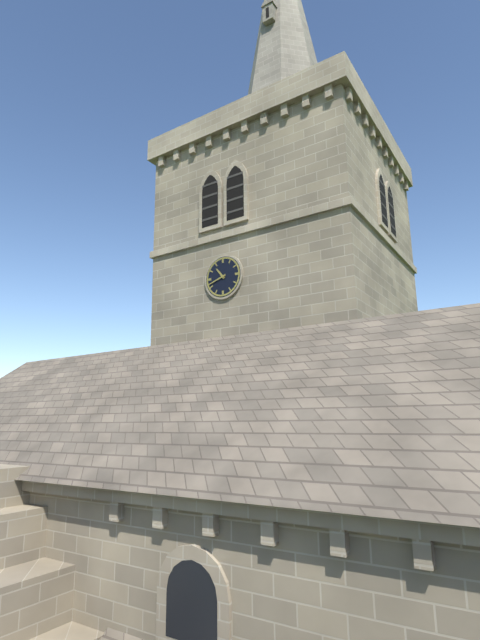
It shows {"hour": 10, "minute": 42}
